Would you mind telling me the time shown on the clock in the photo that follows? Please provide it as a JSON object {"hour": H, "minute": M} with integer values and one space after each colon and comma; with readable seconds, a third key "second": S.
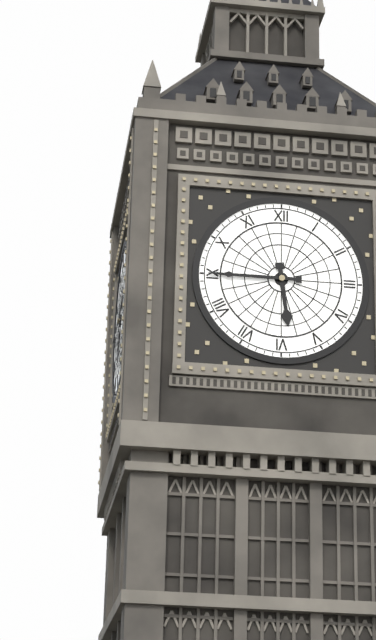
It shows {"hour": 5, "minute": 45}
